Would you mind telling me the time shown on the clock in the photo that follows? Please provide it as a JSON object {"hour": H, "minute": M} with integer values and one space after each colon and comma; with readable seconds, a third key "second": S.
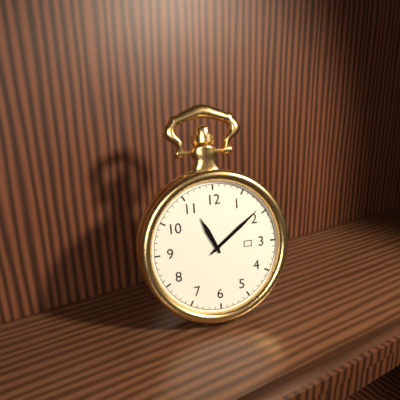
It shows {"hour": 11, "minute": 9}
